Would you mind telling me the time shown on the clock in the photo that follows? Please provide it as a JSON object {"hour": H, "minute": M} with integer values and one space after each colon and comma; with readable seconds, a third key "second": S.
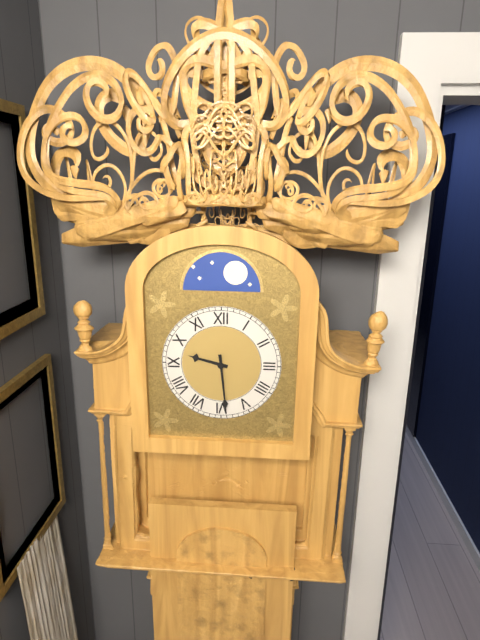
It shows {"hour": 9, "minute": 29}
